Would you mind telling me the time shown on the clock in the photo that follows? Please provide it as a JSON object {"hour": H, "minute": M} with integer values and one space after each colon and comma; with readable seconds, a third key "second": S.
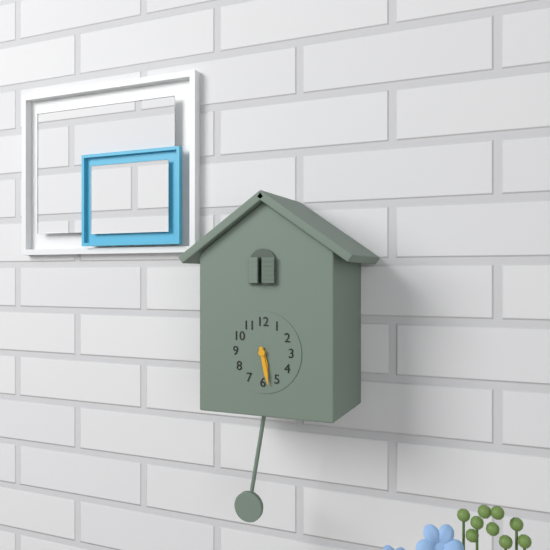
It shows {"hour": 5, "minute": 28}
